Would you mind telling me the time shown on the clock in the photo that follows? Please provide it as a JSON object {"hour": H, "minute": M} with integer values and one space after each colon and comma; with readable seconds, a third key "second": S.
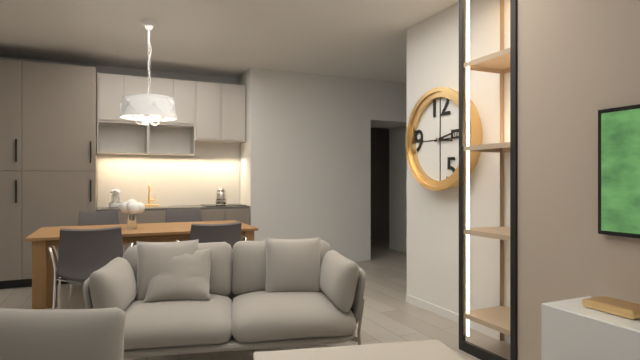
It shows {"hour": 3, "minute": 13}
